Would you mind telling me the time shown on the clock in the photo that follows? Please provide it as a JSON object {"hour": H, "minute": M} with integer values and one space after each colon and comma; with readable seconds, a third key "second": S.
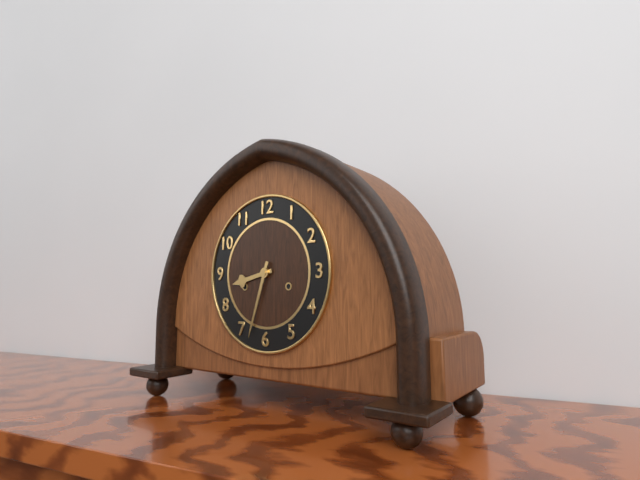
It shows {"hour": 8, "minute": 33}
